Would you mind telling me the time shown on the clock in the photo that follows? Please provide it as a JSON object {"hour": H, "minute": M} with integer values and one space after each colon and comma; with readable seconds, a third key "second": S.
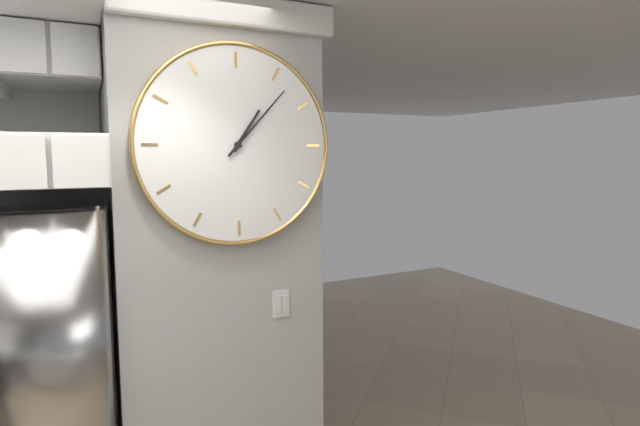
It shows {"hour": 1, "minute": 7}
